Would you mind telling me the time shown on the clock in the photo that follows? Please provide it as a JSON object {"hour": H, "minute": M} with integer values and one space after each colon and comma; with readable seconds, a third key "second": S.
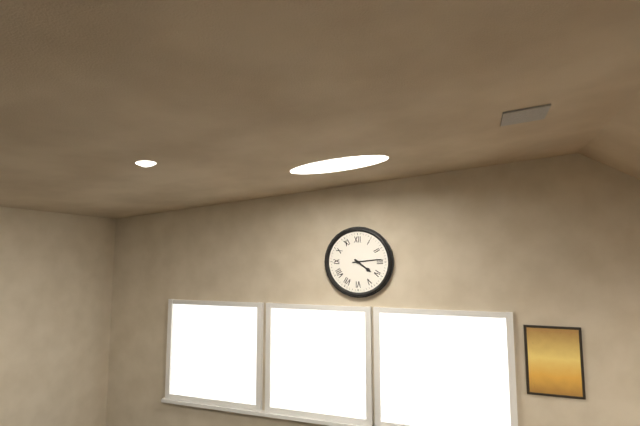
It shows {"hour": 4, "minute": 14}
